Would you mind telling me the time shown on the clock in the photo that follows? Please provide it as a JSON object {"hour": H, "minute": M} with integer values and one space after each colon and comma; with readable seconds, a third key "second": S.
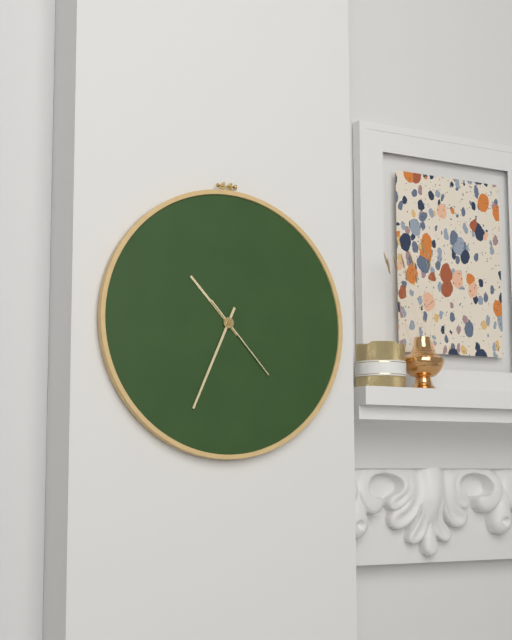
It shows {"hour": 10, "minute": 34, "second": 23}
